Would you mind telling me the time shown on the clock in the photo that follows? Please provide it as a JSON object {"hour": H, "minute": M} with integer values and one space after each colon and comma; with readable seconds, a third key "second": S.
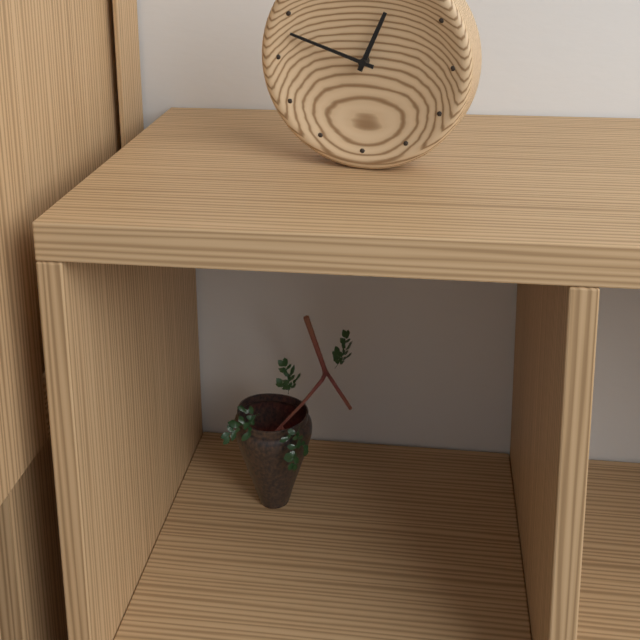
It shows {"hour": 12, "minute": 48}
